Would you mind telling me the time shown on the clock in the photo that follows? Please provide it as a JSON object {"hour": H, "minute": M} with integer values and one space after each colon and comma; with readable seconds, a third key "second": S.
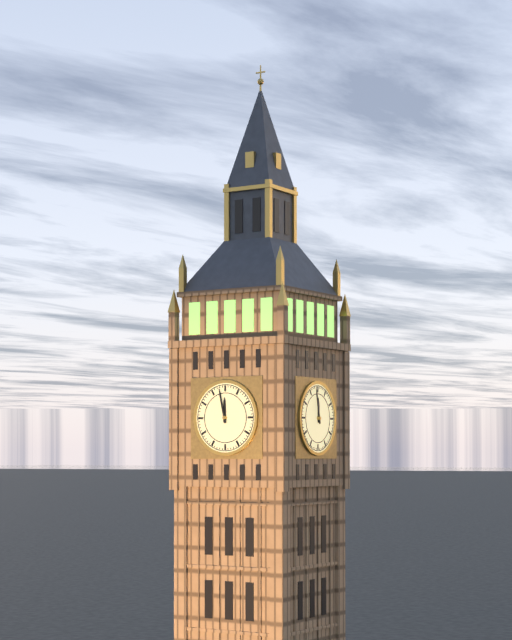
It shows {"hour": 11, "minute": 58}
